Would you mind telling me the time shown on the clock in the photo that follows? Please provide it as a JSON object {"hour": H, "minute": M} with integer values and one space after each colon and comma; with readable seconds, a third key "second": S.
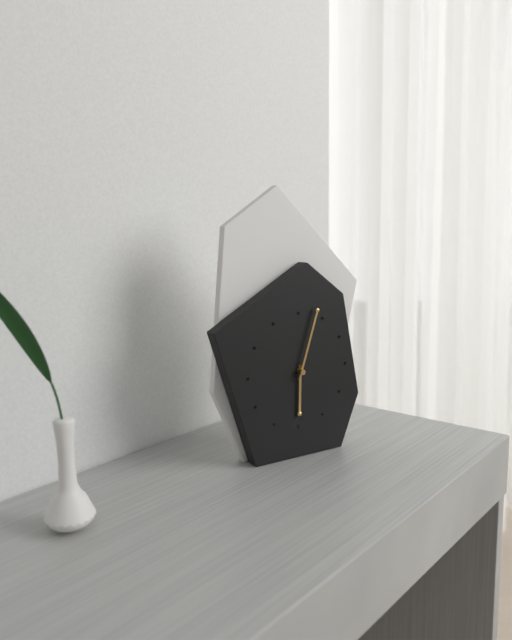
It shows {"hour": 6, "minute": 3}
